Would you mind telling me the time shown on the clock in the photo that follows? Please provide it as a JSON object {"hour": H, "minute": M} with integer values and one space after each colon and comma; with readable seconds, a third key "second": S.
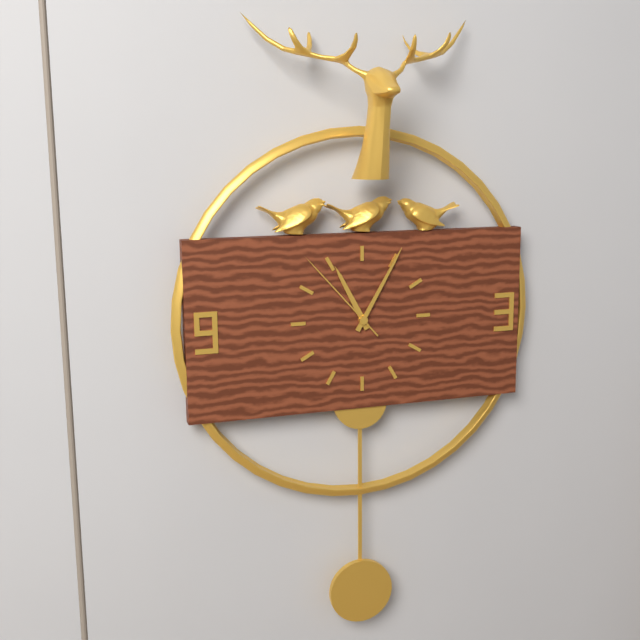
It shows {"hour": 11, "minute": 5, "second": 53}
